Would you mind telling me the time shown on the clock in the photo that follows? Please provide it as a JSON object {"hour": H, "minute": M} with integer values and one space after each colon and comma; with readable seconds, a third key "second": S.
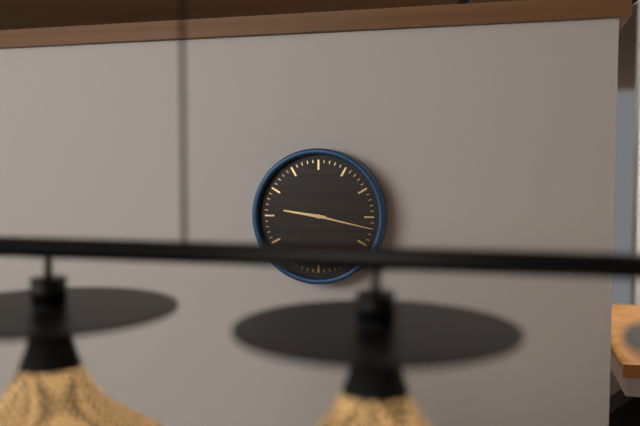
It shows {"hour": 9, "minute": 17}
